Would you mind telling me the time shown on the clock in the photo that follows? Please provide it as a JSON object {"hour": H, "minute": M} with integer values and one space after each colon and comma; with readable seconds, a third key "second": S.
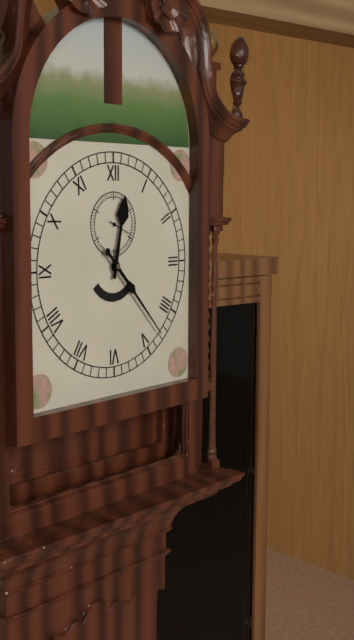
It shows {"hour": 12, "minute": 23}
